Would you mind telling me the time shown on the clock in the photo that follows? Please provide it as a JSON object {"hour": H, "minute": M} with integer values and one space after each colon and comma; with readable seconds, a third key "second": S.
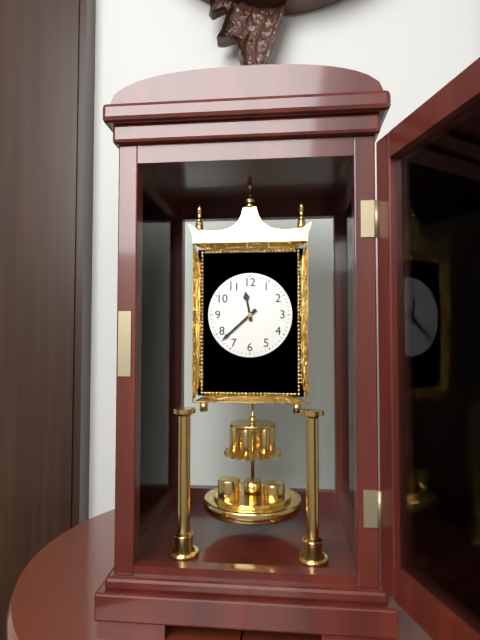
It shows {"hour": 11, "minute": 38}
